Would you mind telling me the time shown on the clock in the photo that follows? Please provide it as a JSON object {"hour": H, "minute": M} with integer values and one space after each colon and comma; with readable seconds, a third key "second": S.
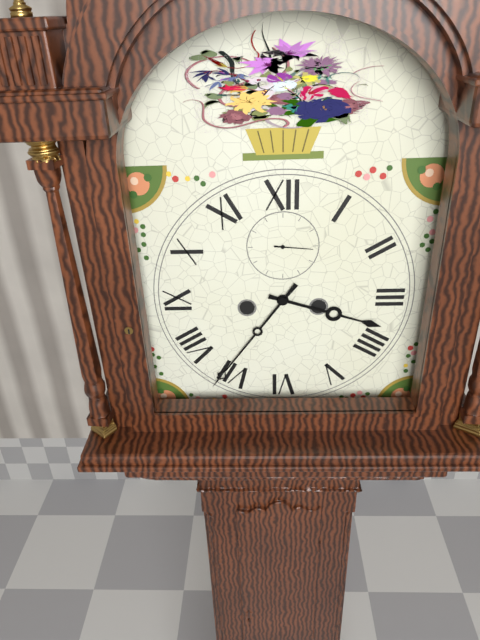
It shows {"hour": 3, "minute": 36}
